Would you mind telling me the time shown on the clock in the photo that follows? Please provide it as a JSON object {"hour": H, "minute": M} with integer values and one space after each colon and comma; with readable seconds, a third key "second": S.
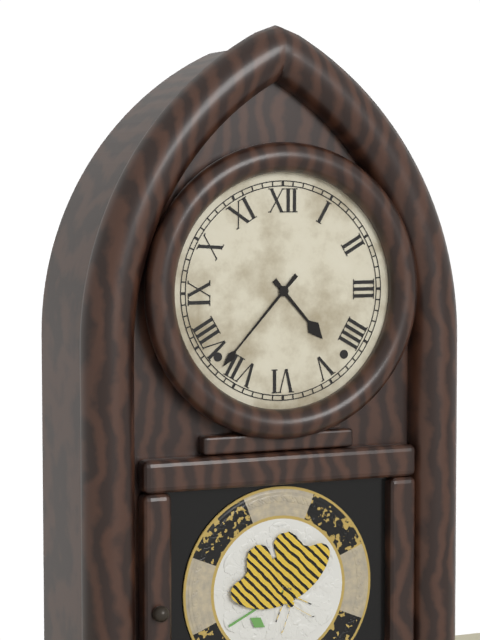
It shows {"hour": 4, "minute": 37}
